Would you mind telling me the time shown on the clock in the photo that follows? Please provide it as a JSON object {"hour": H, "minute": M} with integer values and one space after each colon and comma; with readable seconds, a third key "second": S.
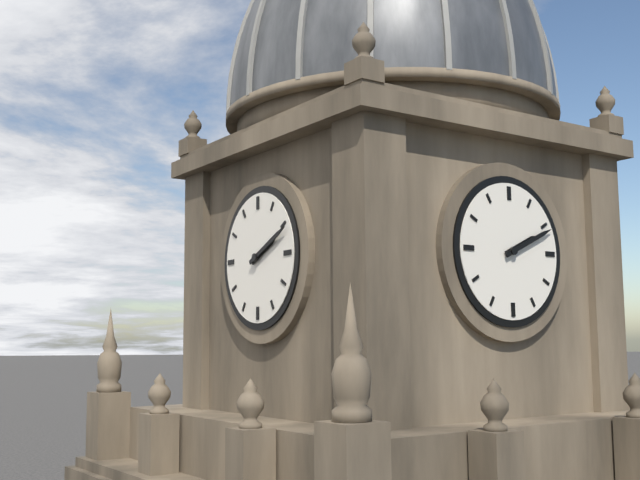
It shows {"hour": 2, "minute": 11}
